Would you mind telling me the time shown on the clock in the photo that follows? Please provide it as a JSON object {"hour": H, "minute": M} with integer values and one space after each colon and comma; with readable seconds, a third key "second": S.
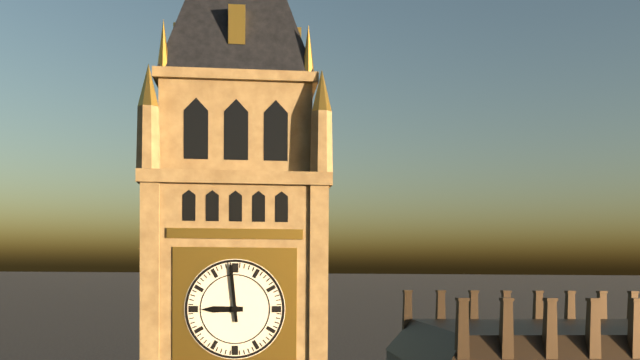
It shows {"hour": 8, "minute": 59}
